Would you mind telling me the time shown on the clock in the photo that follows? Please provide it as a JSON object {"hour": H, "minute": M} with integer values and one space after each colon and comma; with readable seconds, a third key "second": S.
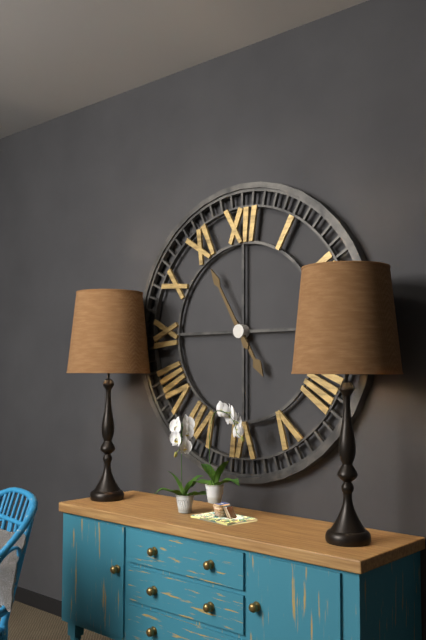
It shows {"hour": 4, "minute": 55}
